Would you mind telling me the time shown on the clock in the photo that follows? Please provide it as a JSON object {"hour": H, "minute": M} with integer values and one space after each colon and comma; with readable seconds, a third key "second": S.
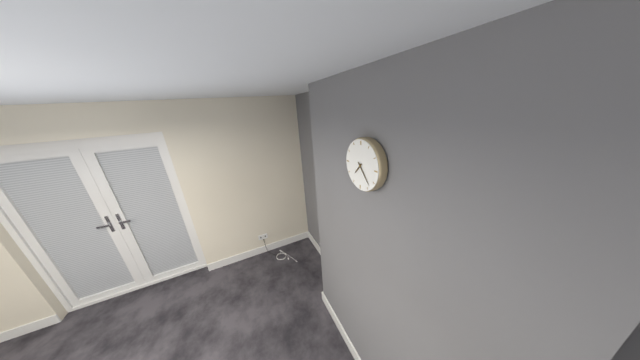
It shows {"hour": 7, "minute": 23}
